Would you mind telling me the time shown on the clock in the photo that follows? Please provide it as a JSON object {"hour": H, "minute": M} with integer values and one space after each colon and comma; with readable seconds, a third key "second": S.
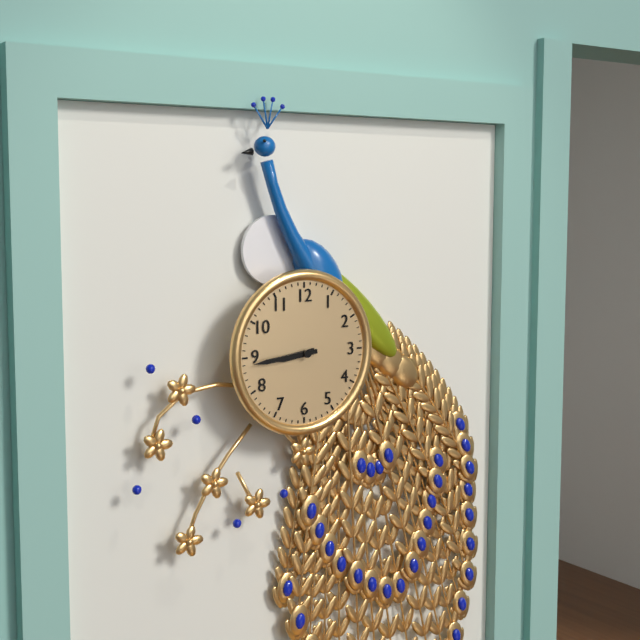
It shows {"hour": 8, "minute": 44}
